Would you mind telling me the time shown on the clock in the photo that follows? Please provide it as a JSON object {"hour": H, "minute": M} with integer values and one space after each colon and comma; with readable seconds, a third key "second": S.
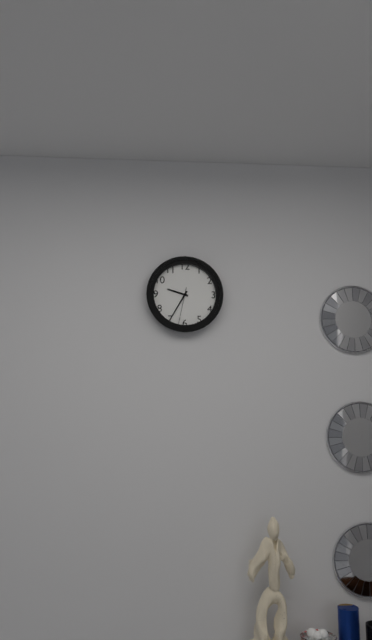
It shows {"hour": 9, "minute": 35}
